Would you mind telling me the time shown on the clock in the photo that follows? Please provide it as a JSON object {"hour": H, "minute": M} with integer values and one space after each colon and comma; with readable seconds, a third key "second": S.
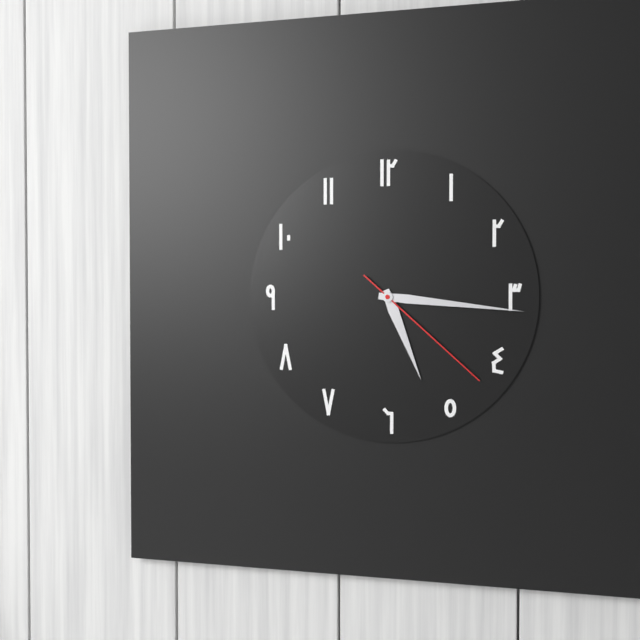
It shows {"hour": 5, "minute": 16, "second": 22}
